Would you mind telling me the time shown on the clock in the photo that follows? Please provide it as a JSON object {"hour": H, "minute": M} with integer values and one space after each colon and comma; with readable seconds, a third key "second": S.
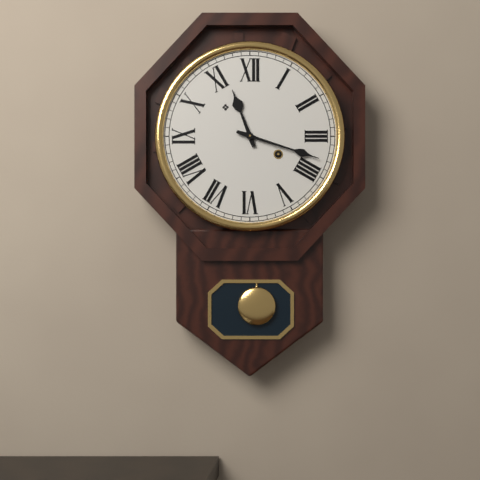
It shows {"hour": 11, "minute": 18}
